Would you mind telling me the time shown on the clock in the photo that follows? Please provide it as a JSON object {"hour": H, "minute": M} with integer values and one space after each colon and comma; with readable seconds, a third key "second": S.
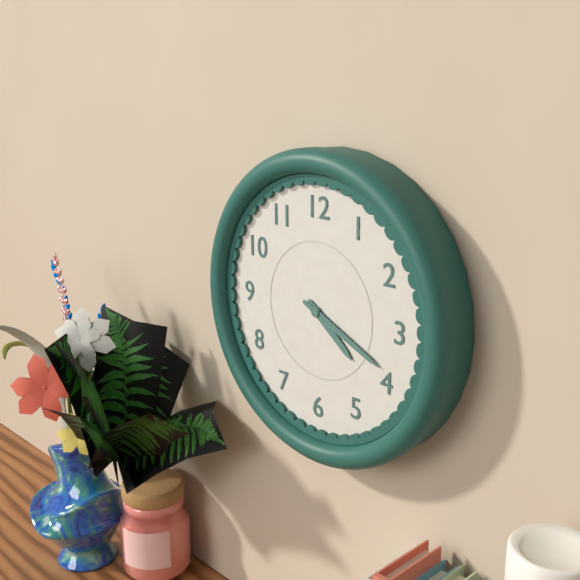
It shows {"hour": 4, "minute": 19}
